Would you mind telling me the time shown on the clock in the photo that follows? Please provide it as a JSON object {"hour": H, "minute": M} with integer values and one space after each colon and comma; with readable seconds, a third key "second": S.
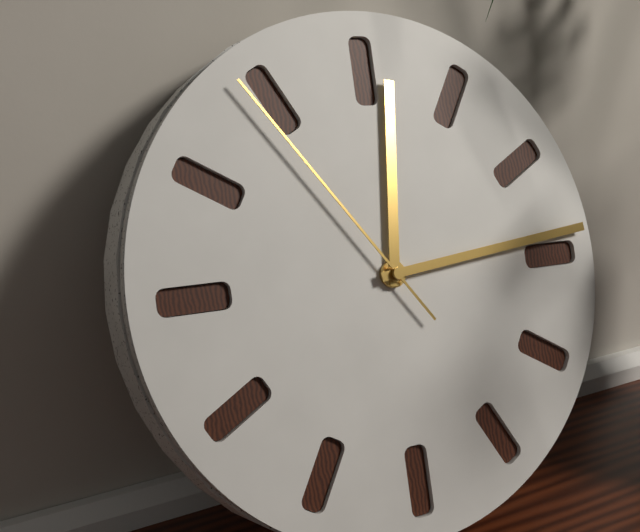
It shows {"hour": 12, "minute": 14, "second": 54}
